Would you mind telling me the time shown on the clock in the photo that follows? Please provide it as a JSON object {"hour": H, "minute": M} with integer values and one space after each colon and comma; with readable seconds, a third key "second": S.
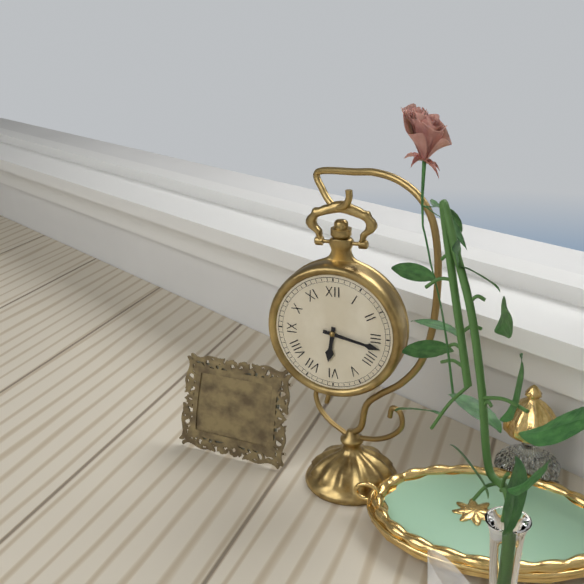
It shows {"hour": 6, "minute": 17}
